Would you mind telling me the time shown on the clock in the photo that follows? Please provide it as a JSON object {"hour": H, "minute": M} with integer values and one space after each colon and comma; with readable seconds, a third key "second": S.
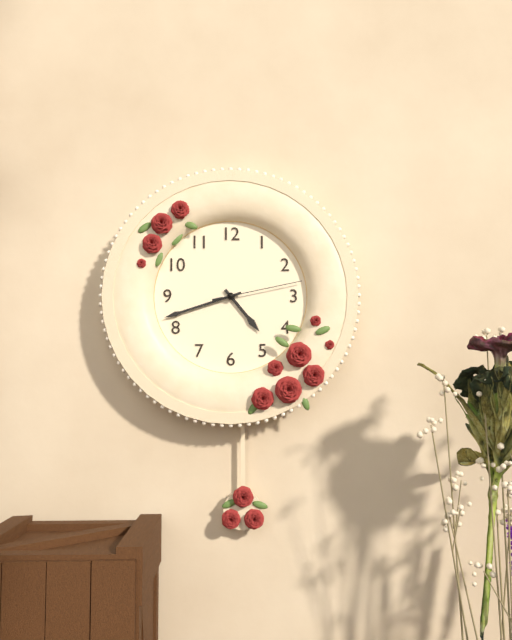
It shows {"hour": 4, "minute": 42, "second": 13}
